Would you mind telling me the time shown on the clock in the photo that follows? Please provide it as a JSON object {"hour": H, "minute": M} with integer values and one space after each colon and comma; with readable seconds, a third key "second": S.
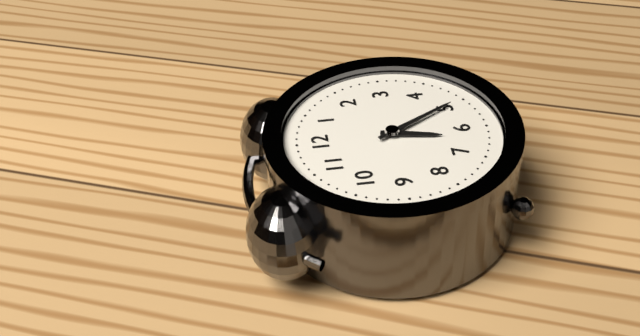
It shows {"hour": 6, "minute": 25}
